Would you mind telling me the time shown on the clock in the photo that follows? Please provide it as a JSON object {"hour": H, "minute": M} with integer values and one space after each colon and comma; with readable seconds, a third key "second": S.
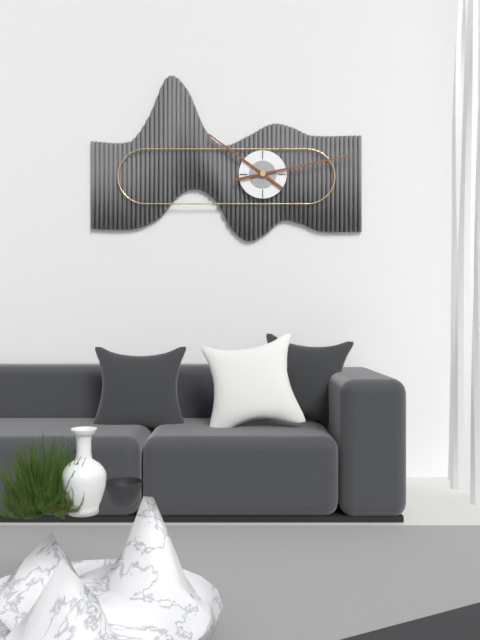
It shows {"hour": 10, "minute": 13}
